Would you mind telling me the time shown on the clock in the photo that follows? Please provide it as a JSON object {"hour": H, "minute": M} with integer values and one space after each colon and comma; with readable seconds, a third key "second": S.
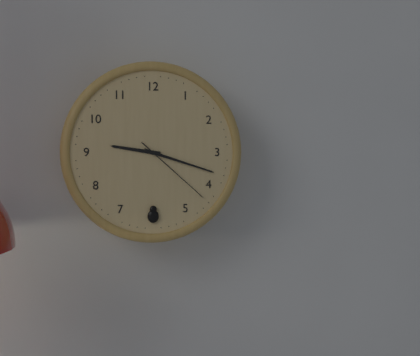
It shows {"hour": 9, "minute": 18, "second": 22}
